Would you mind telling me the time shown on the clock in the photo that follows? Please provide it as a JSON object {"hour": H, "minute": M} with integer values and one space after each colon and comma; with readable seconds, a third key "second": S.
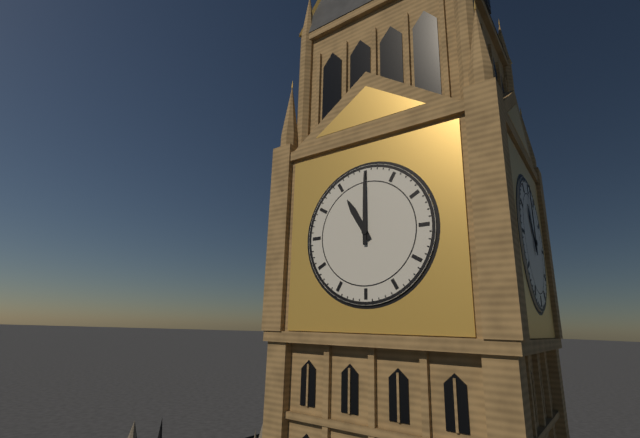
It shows {"hour": 11, "minute": 0}
